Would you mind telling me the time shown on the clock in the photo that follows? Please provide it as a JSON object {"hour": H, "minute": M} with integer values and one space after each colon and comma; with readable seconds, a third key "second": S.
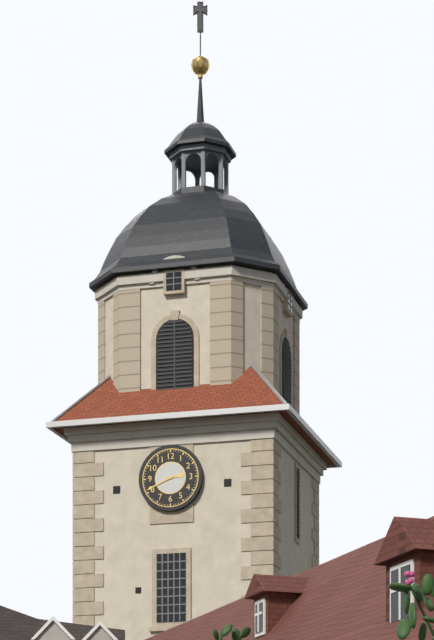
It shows {"hour": 2, "minute": 41}
